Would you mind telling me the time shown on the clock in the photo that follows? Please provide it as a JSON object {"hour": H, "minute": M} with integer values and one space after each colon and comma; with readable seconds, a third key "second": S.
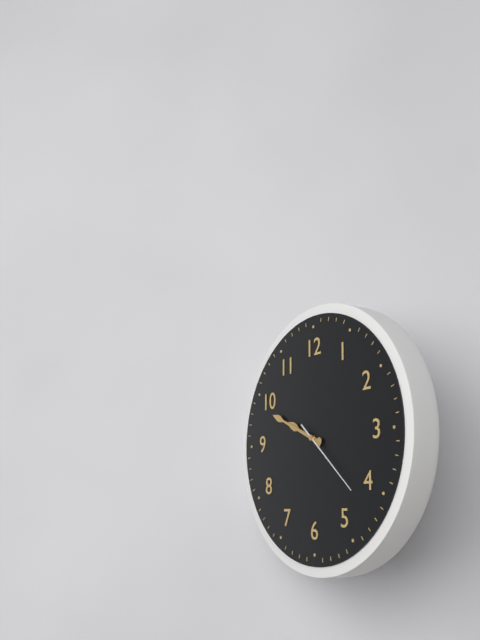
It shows {"hour": 9, "minute": 49, "second": 22}
